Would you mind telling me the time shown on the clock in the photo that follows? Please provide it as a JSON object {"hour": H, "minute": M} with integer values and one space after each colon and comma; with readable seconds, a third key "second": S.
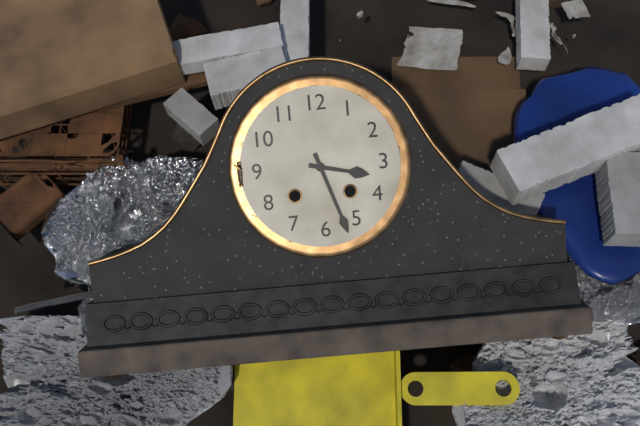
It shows {"hour": 3, "minute": 27}
